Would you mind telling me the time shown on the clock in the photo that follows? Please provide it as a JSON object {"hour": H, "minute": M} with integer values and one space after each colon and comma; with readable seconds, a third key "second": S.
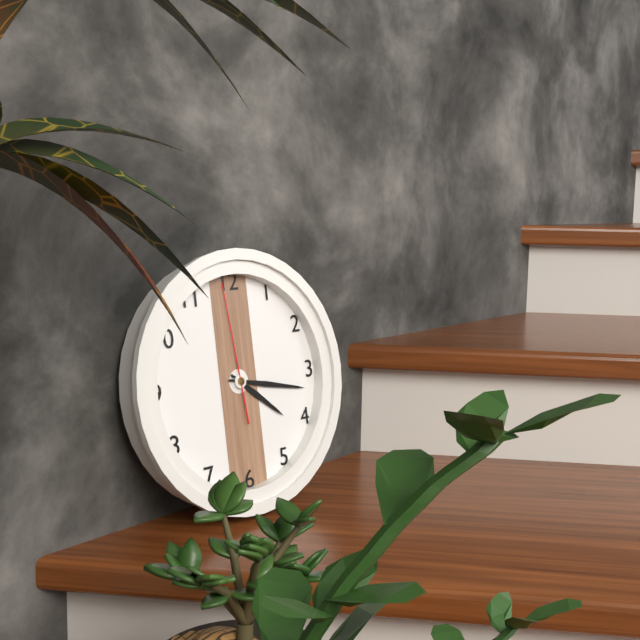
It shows {"hour": 4, "minute": 17, "second": 59}
